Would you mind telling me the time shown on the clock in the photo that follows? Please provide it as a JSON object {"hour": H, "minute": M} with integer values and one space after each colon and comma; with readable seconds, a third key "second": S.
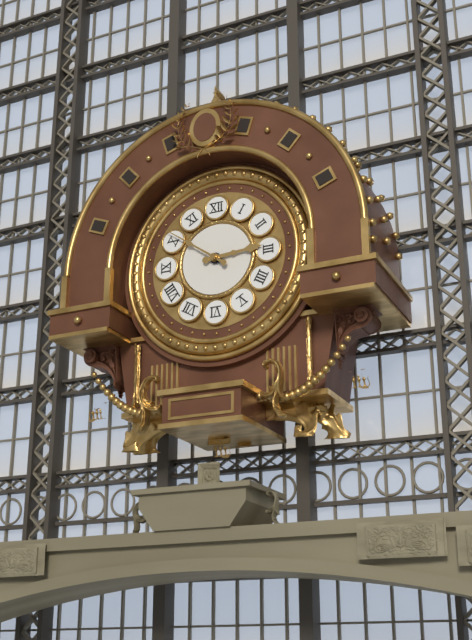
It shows {"hour": 2, "minute": 51}
